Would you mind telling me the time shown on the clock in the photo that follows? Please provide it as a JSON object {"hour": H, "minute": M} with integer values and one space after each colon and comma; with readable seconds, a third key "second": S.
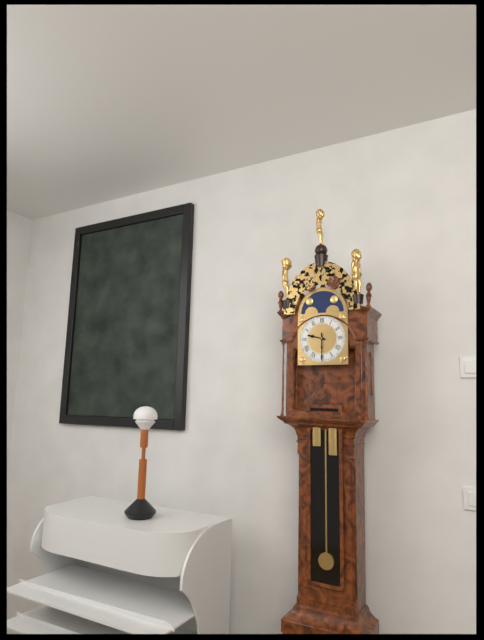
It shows {"hour": 9, "minute": 30}
